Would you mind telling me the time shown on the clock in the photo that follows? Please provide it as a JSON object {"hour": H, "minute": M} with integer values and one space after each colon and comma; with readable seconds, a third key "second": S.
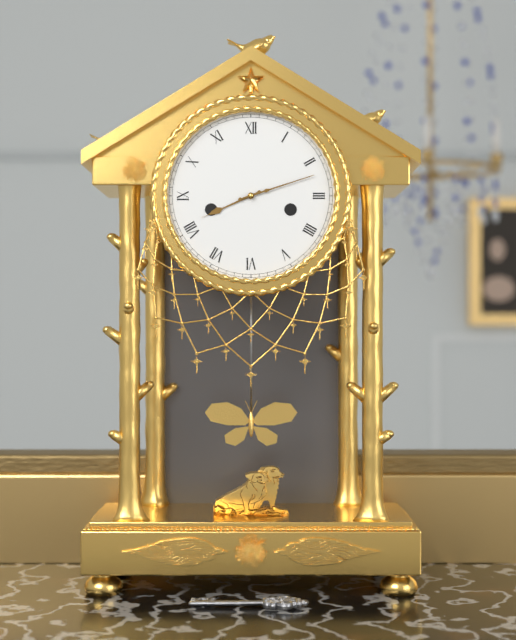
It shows {"hour": 8, "minute": 12}
